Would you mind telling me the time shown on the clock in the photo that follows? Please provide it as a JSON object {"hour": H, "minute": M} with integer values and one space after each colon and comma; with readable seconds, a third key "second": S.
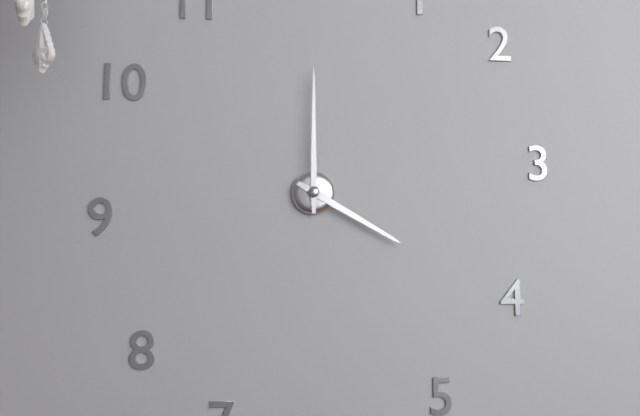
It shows {"hour": 4, "minute": 0}
